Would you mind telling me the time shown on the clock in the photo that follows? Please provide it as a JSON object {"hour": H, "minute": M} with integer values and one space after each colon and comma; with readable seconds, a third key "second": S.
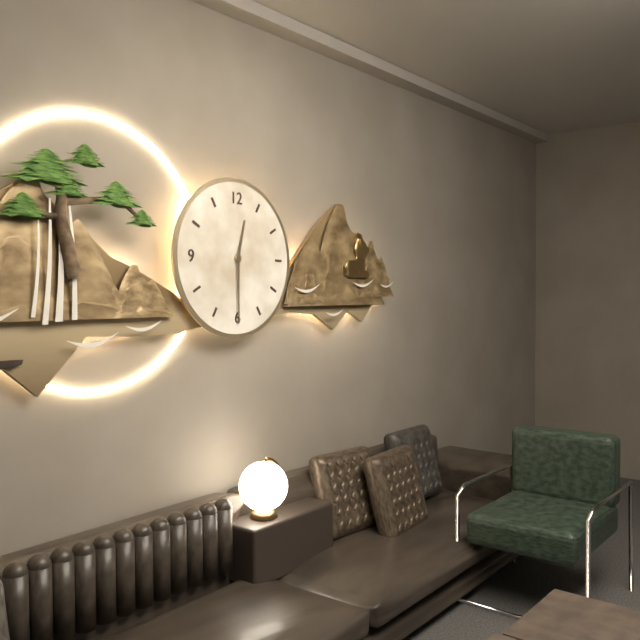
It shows {"hour": 12, "minute": 30}
